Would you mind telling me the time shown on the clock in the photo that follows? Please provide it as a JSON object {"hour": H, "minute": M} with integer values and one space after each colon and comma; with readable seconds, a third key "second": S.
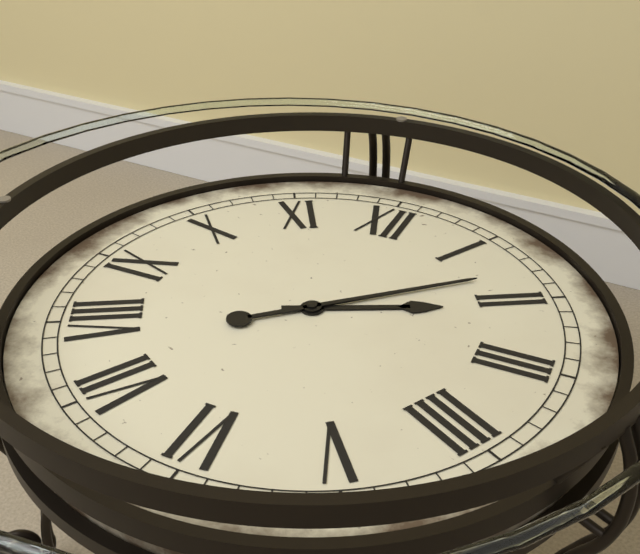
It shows {"hour": 2, "minute": 8}
